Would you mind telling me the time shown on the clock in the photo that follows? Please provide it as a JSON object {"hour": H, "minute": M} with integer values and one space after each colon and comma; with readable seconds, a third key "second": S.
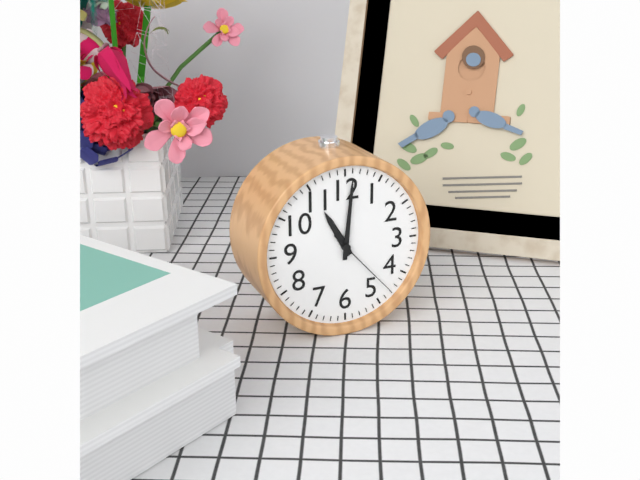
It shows {"hour": 11, "minute": 1, "second": 23}
